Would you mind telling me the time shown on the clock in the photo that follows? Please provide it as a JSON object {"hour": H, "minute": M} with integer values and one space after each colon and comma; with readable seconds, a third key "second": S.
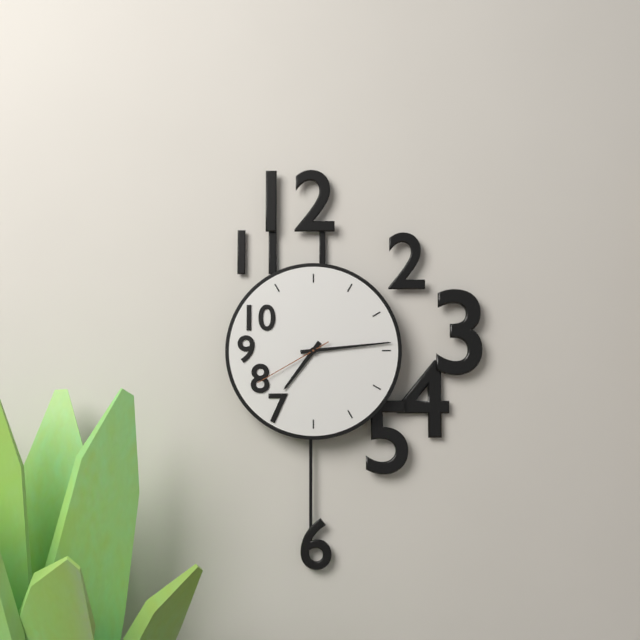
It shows {"hour": 7, "minute": 14, "second": 40}
